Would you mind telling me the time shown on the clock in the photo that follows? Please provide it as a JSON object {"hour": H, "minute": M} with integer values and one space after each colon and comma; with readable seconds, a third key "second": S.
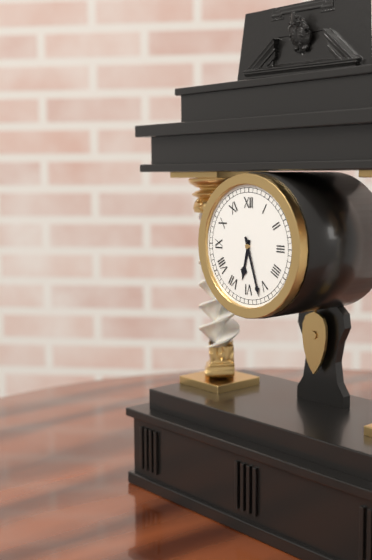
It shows {"hour": 6, "minute": 27}
